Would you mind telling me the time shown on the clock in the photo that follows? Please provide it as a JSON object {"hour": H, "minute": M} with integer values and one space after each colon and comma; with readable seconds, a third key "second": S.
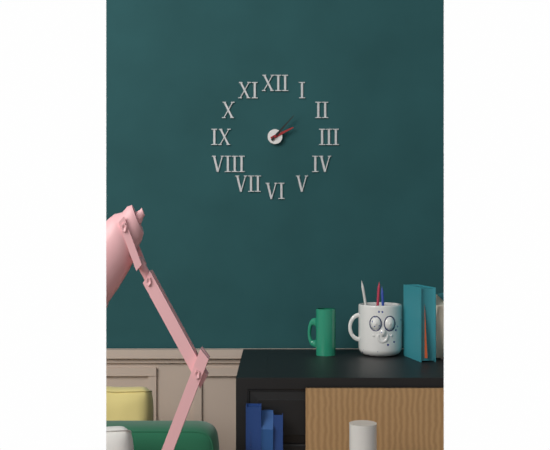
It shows {"hour": 2, "minute": 7}
